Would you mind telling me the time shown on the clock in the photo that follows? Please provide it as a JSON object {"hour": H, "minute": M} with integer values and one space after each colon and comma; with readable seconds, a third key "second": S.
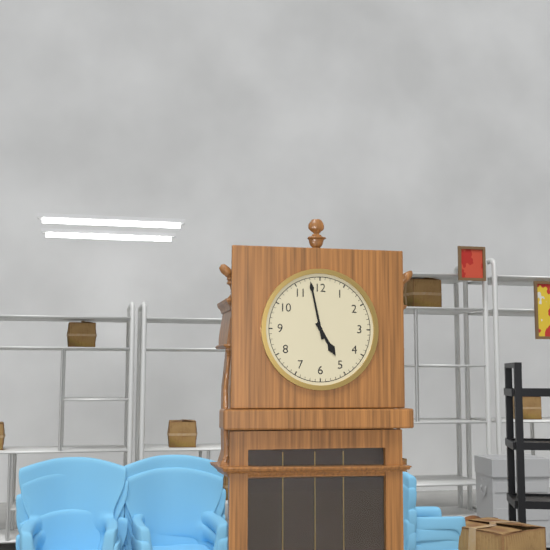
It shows {"hour": 4, "minute": 58}
